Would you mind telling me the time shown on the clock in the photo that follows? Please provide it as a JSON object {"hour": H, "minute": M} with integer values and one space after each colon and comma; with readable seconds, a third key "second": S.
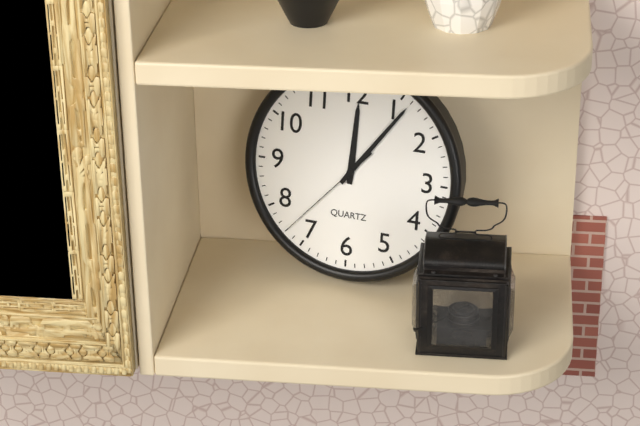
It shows {"hour": 12, "minute": 6, "second": 37}
